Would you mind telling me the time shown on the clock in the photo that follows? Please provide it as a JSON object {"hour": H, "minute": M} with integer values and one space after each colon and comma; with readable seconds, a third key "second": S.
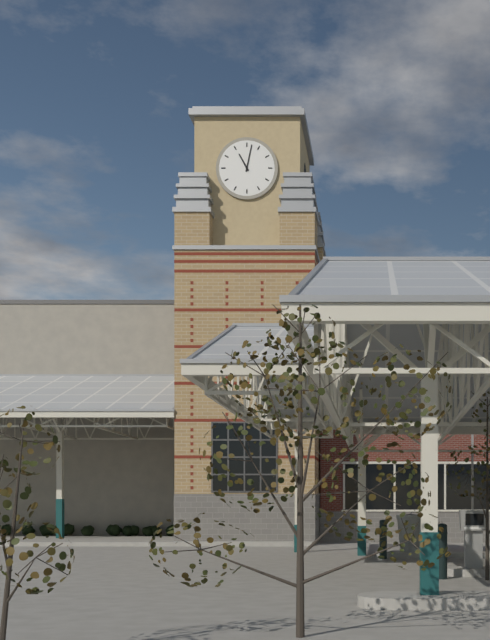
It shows {"hour": 11, "minute": 2}
